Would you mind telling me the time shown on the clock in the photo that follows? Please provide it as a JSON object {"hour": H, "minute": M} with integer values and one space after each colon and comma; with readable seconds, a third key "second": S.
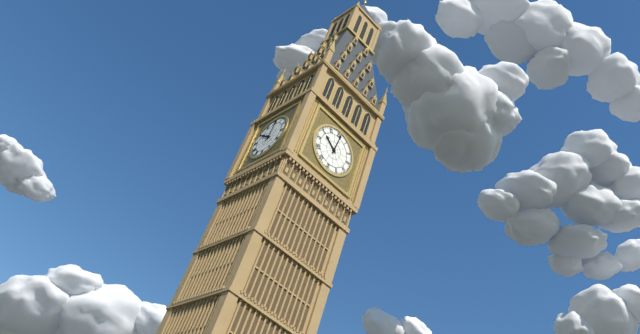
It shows {"hour": 10, "minute": 1}
